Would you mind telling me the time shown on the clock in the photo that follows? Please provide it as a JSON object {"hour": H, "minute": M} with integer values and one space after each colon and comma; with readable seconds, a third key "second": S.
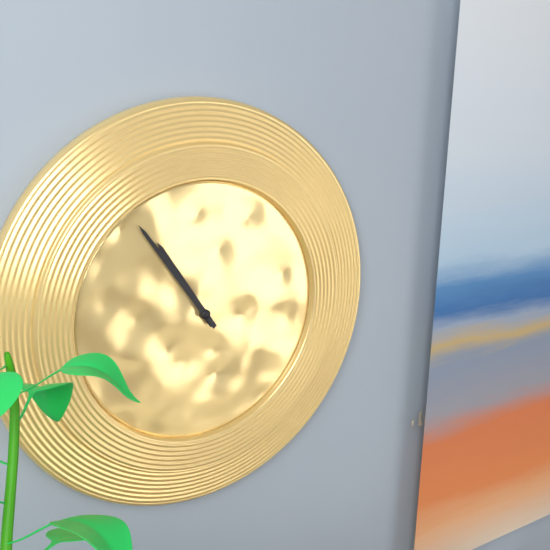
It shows {"hour": 10, "minute": 54}
